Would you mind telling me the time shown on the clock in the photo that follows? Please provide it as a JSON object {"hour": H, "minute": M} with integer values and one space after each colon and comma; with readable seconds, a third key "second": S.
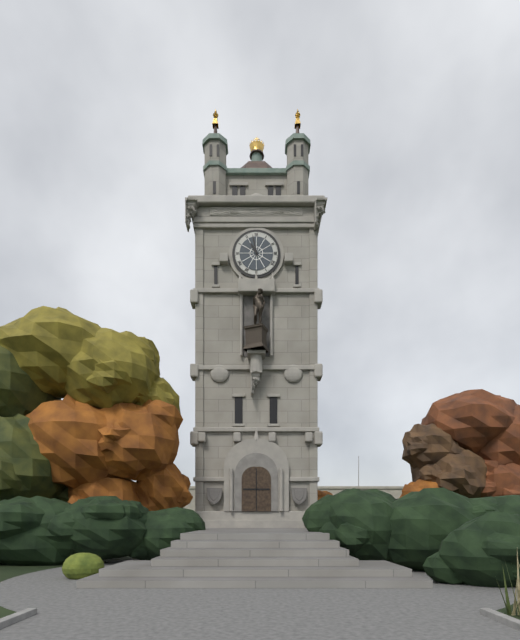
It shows {"hour": 10, "minute": 58}
